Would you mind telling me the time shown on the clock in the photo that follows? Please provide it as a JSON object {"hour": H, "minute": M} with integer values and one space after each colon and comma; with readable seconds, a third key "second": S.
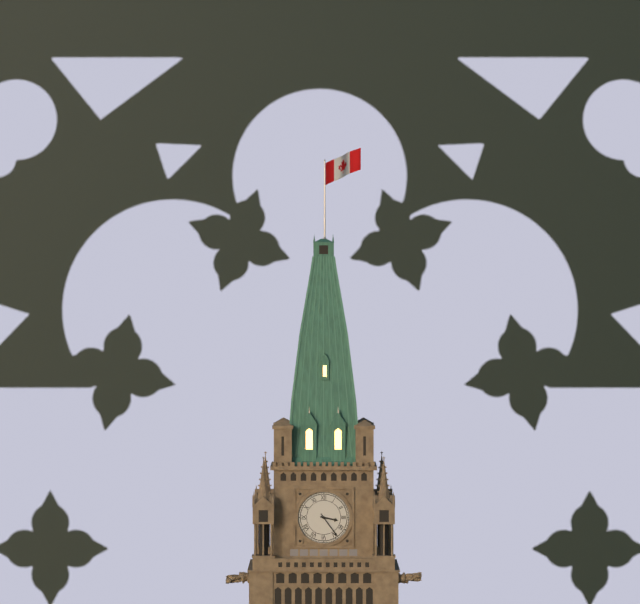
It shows {"hour": 3, "minute": 24}
